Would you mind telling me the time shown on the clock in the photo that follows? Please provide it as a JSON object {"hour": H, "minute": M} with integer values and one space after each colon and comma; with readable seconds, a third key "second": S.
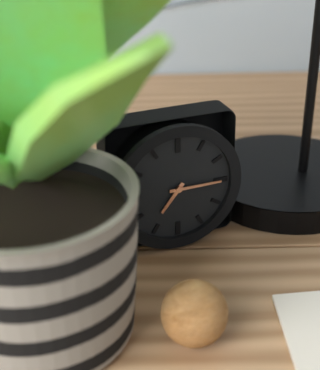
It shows {"hour": 7, "minute": 15}
